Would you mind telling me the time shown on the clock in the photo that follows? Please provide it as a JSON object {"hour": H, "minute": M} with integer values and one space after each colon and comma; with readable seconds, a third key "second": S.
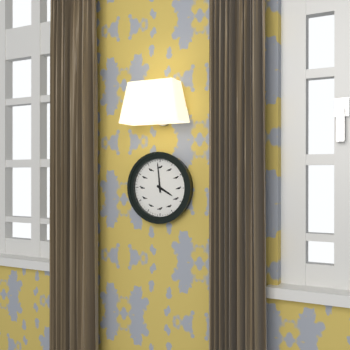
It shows {"hour": 3, "minute": 59}
